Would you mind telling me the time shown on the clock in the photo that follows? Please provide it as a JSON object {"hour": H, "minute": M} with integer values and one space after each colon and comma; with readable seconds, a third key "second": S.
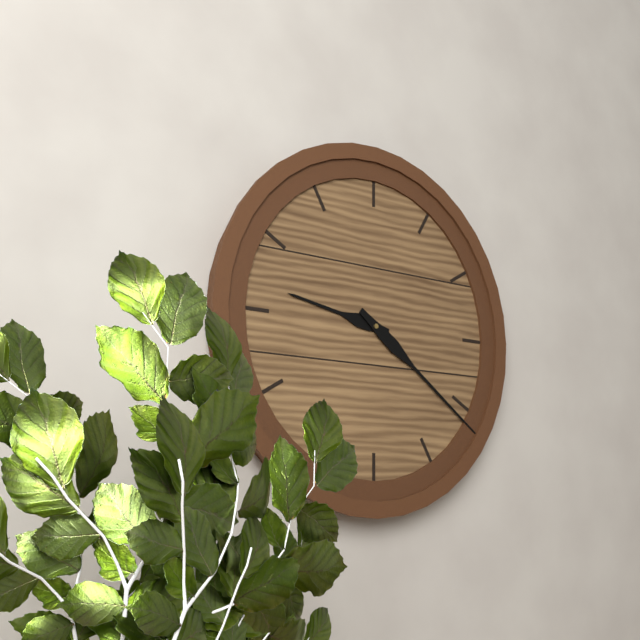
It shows {"hour": 9, "minute": 21}
